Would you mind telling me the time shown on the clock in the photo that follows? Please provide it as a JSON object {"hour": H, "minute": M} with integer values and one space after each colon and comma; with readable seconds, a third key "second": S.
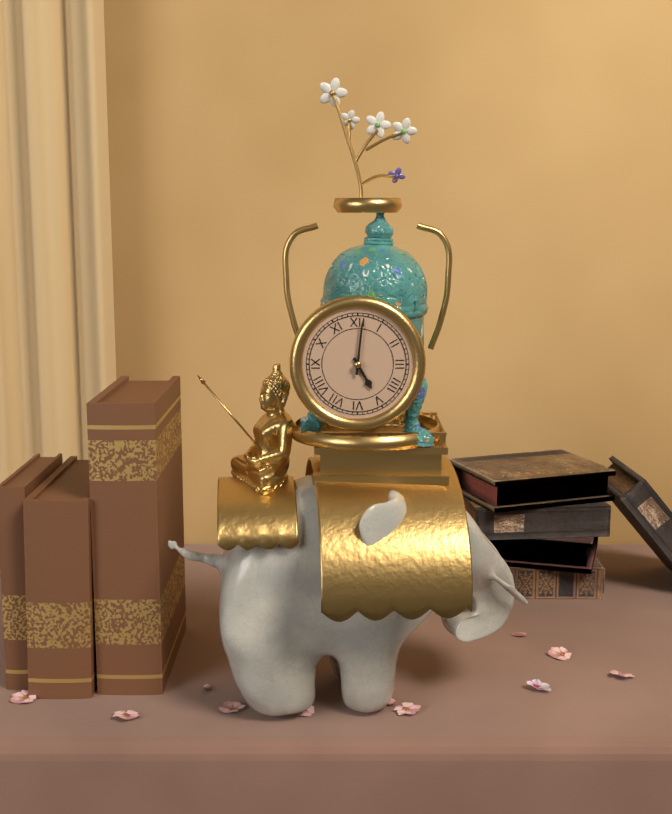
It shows {"hour": 5, "minute": 1}
